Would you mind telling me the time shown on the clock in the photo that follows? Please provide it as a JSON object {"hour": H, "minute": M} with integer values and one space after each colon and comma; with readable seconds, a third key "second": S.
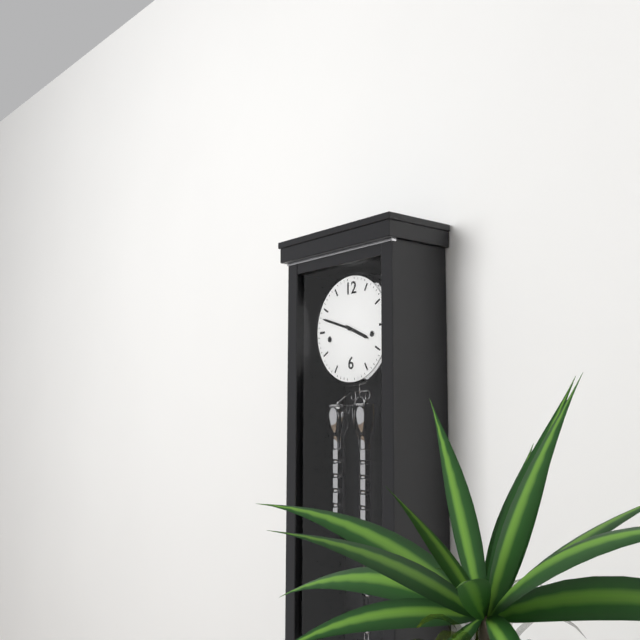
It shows {"hour": 3, "minute": 48}
